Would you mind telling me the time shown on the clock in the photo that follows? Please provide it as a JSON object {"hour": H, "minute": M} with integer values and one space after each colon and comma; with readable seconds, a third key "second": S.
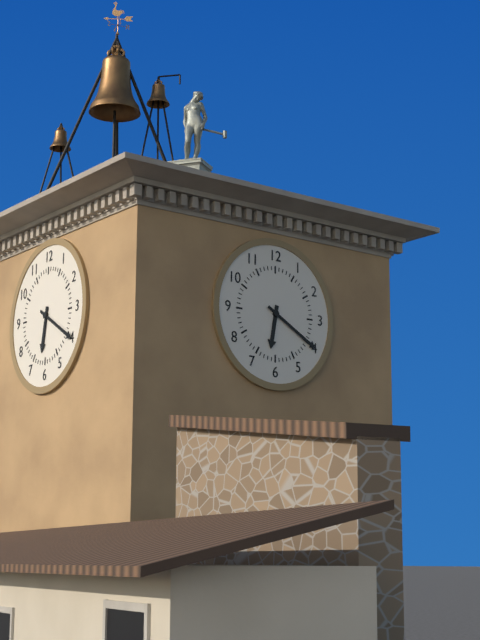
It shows {"hour": 6, "minute": 20}
